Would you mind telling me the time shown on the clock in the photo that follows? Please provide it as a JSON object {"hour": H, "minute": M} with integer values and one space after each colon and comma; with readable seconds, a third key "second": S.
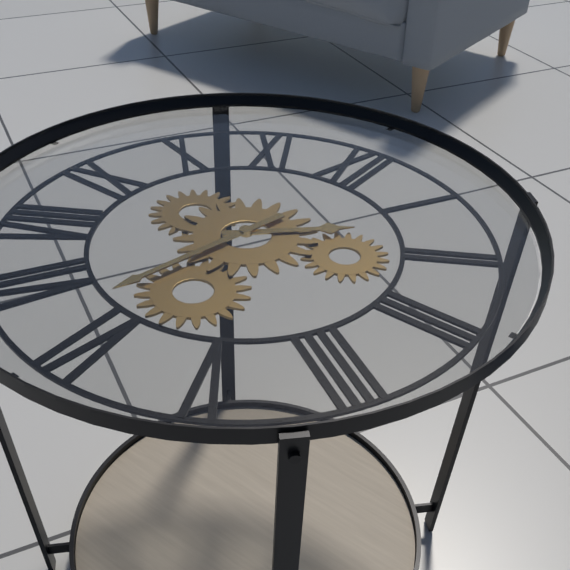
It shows {"hour": 1, "minute": 32}
